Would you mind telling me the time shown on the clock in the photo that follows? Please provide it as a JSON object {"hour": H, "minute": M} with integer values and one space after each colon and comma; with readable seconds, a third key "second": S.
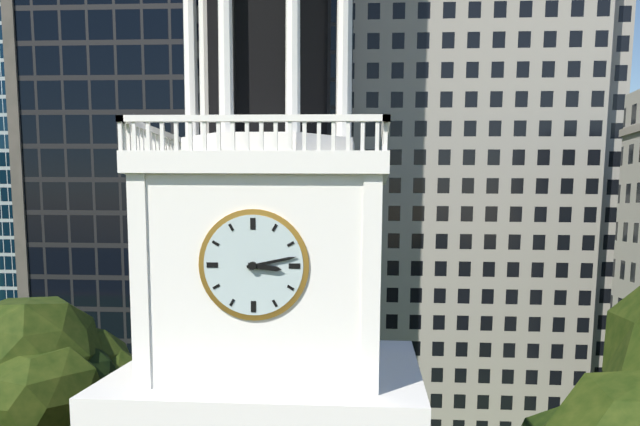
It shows {"hour": 3, "minute": 13}
